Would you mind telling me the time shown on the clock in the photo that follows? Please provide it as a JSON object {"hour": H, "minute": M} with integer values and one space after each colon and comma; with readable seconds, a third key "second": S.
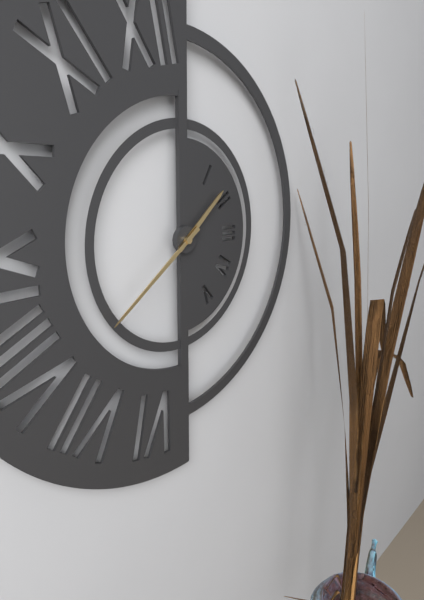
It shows {"hour": 1, "minute": 39}
